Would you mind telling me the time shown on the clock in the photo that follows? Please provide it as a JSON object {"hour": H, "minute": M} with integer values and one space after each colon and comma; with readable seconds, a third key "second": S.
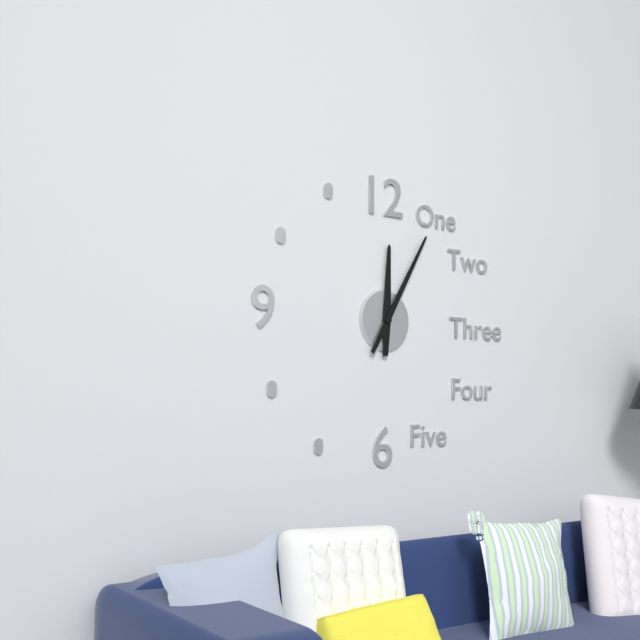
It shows {"hour": 12, "minute": 5}
